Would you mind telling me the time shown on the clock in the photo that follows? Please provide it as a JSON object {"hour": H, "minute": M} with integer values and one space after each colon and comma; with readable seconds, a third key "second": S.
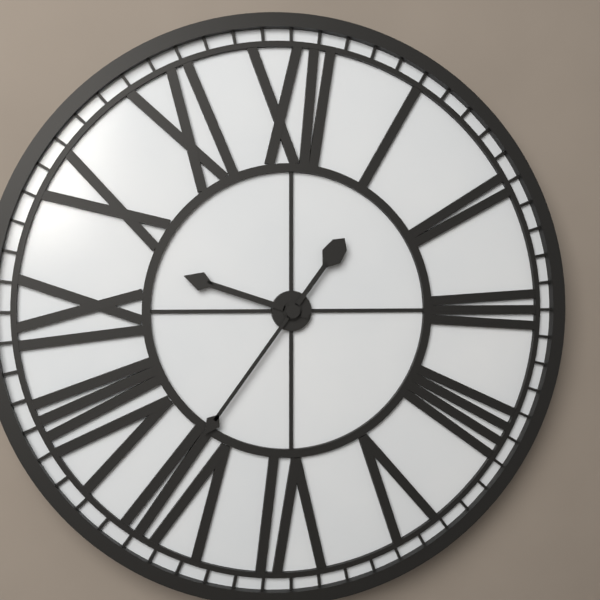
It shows {"hour": 9, "minute": 36}
